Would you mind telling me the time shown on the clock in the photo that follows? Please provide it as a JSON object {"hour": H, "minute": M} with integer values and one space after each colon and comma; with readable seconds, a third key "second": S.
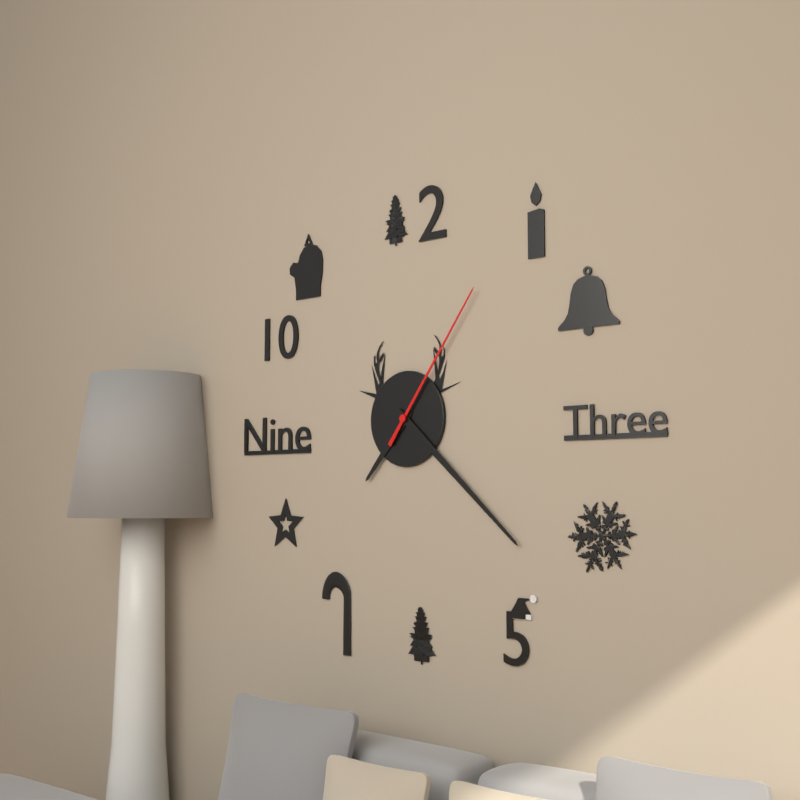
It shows {"hour": 7, "minute": 22, "second": 6}
